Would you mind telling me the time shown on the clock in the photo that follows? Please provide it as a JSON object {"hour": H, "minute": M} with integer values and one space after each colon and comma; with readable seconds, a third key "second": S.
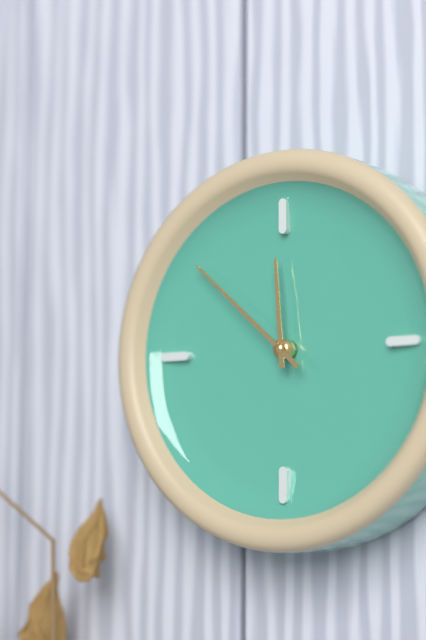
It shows {"hour": 11, "minute": 52}
